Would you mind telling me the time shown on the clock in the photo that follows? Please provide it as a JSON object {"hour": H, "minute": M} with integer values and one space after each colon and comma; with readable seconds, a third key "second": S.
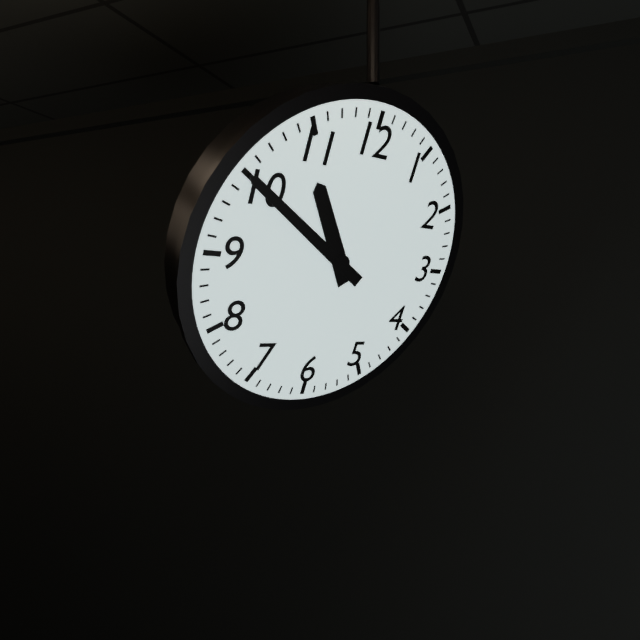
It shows {"hour": 10, "minute": 50}
